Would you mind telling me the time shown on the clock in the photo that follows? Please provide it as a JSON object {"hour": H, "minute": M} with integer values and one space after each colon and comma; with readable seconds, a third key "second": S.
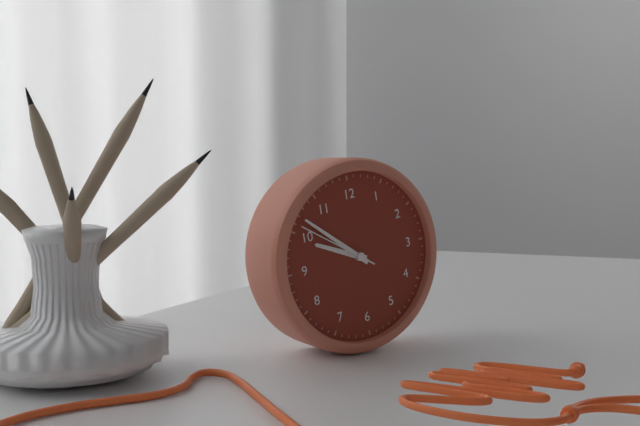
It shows {"hour": 9, "minute": 52, "second": 51}
